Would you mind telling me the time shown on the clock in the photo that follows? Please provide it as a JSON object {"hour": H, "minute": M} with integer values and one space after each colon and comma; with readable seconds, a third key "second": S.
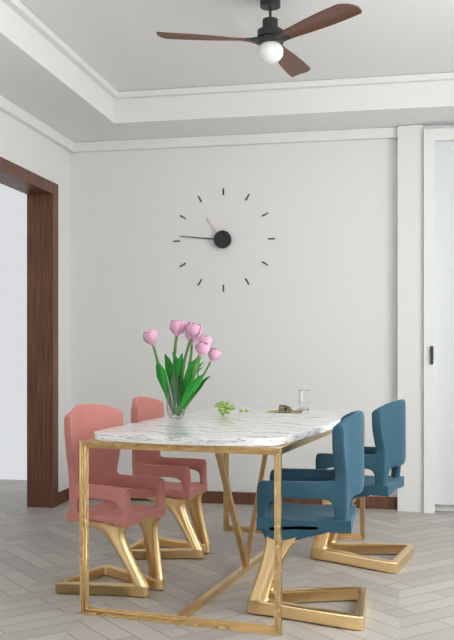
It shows {"hour": 10, "minute": 46}
